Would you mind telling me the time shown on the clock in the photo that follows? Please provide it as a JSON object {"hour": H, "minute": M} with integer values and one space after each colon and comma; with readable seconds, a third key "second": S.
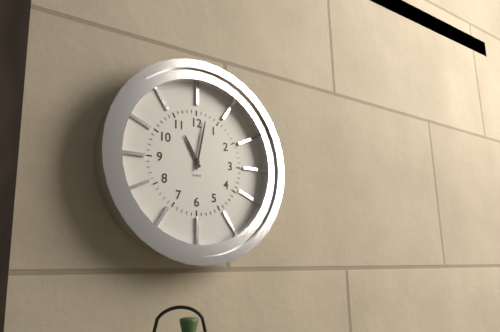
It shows {"hour": 11, "minute": 2}
